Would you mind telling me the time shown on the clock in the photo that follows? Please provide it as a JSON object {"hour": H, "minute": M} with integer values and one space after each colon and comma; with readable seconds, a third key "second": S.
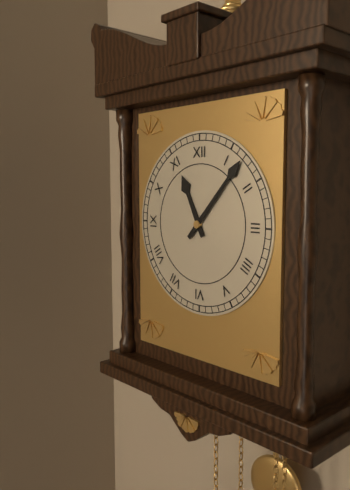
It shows {"hour": 11, "minute": 7}
